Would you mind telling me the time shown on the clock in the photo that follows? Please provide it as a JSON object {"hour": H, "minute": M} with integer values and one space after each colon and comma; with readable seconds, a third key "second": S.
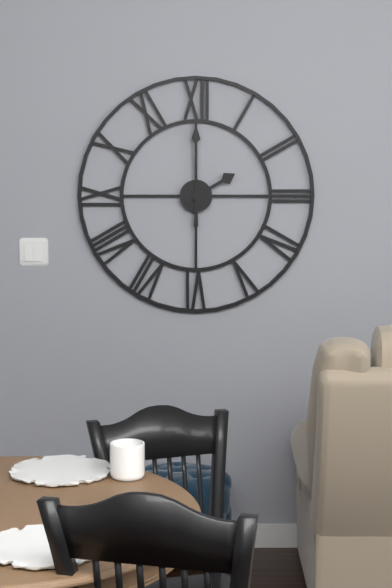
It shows {"hour": 2, "minute": 0}
